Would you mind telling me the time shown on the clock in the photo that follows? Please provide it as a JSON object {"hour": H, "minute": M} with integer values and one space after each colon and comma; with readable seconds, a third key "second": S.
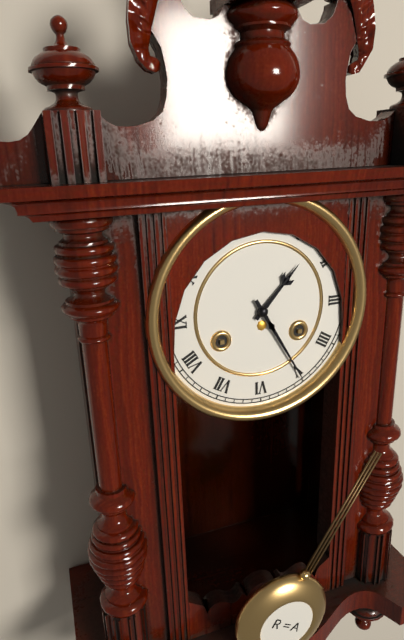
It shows {"hour": 1, "minute": 25}
